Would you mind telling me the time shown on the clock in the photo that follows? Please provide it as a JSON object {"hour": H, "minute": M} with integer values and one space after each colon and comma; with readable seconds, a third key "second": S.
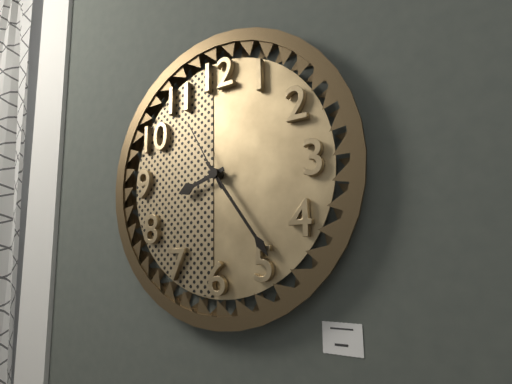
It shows {"hour": 8, "minute": 24, "second": 55}
